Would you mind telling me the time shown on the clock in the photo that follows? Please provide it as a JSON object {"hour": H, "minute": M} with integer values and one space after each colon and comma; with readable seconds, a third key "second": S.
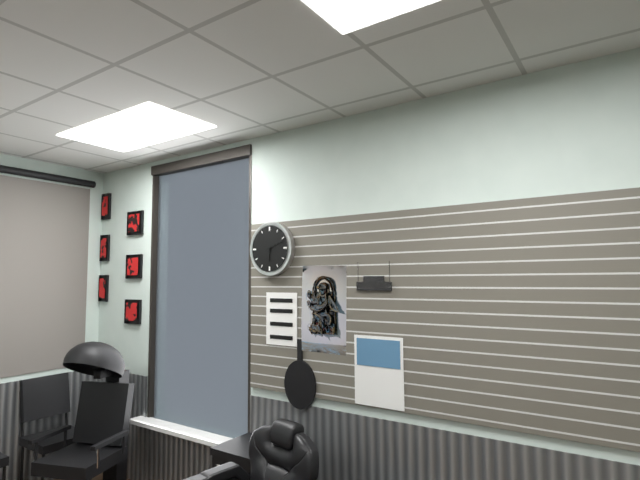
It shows {"hour": 6, "minute": 11}
